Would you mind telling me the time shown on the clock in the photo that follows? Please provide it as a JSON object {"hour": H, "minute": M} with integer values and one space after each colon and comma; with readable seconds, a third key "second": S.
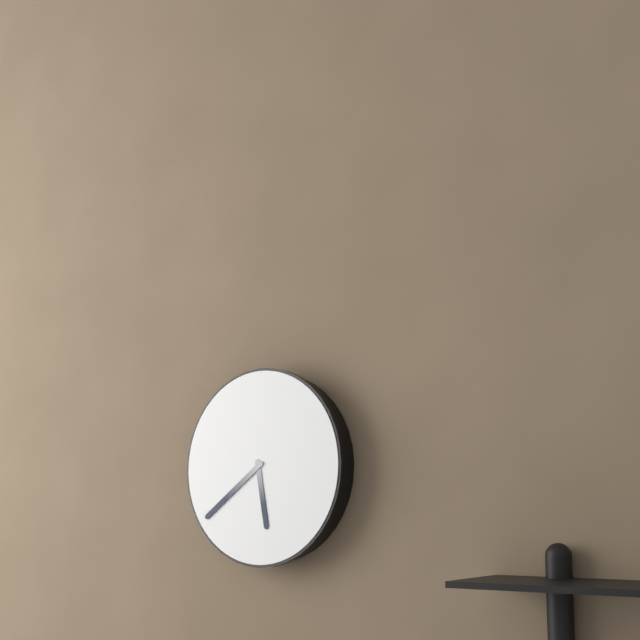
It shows {"hour": 5, "minute": 39}
